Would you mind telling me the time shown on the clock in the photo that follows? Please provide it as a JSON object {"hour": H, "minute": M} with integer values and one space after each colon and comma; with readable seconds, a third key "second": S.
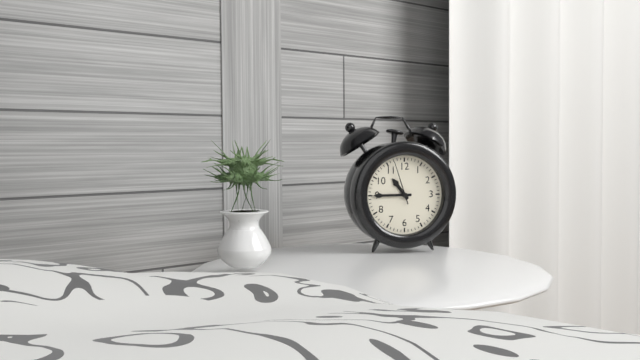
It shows {"hour": 10, "minute": 45}
